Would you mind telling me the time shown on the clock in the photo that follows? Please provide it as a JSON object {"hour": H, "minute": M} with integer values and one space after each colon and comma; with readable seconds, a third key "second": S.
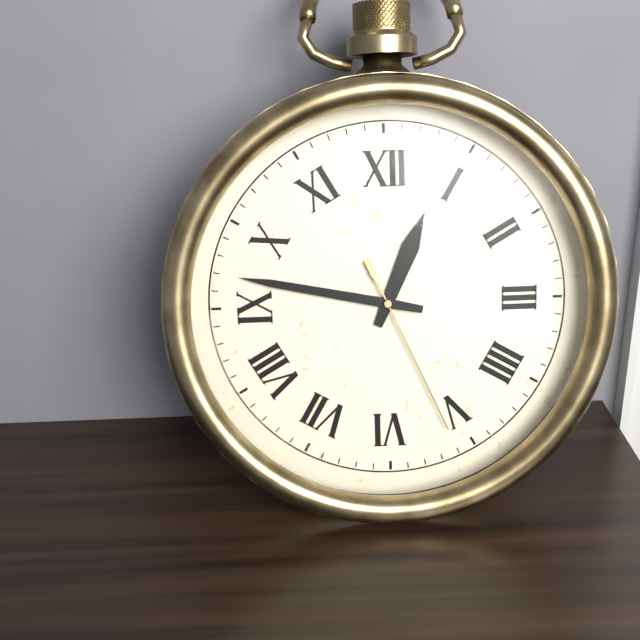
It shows {"hour": 12, "minute": 47, "second": 26}
